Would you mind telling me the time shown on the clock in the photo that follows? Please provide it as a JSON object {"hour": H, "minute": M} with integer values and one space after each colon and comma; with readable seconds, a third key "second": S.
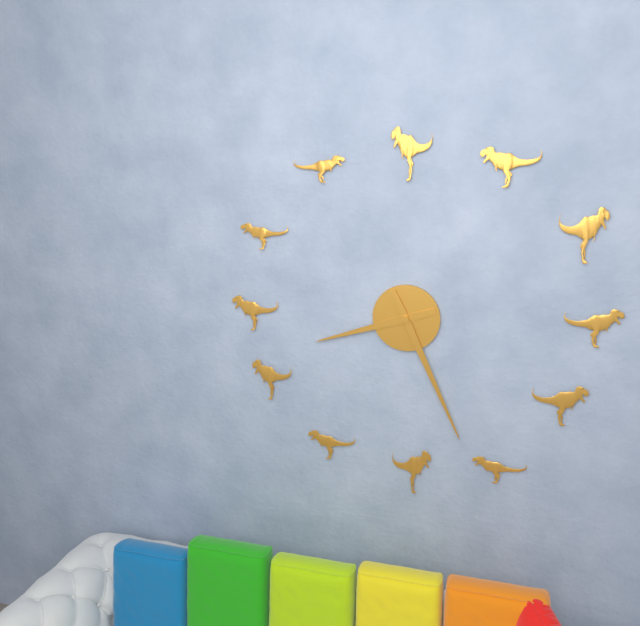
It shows {"hour": 8, "minute": 26}
